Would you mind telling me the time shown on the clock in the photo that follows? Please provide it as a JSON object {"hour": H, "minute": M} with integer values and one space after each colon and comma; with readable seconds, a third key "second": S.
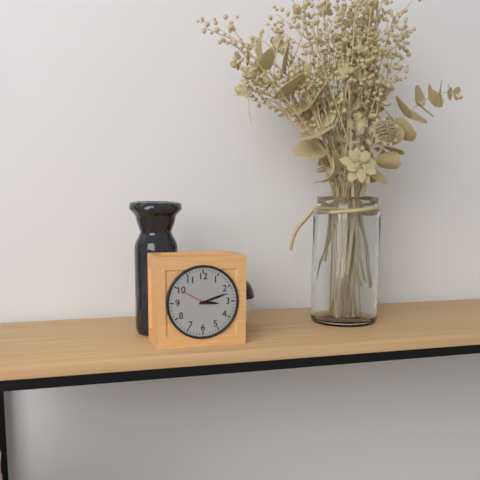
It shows {"hour": 3, "minute": 12}
